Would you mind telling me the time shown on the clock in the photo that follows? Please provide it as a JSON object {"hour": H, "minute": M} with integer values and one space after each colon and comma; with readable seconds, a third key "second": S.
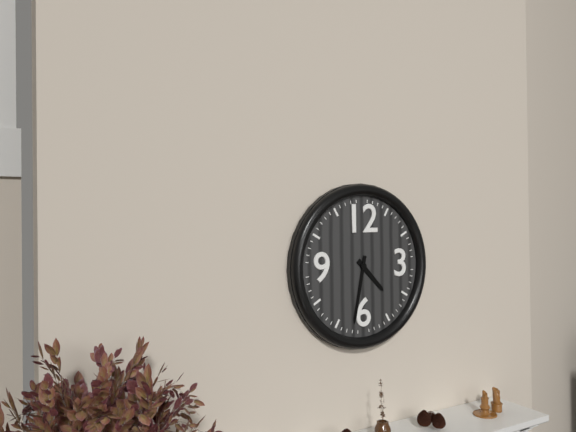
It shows {"hour": 4, "minute": 32}
